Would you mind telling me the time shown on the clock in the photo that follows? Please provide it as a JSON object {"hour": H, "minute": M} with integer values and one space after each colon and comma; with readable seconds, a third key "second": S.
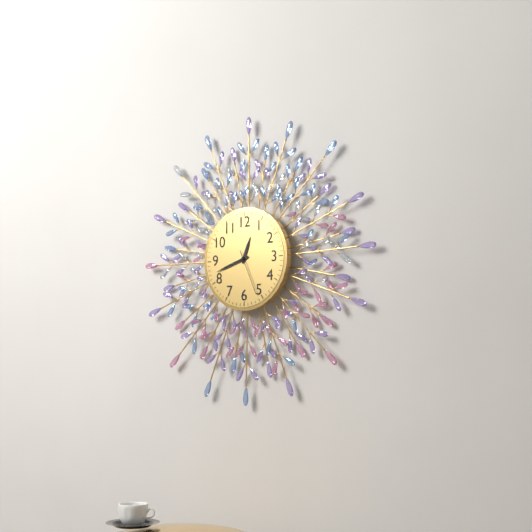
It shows {"hour": 12, "minute": 42}
